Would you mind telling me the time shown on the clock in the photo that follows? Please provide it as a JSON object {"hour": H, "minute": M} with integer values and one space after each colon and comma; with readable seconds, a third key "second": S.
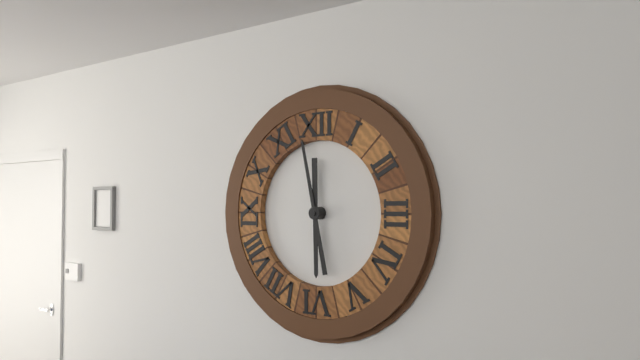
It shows {"hour": 5, "minute": 58}
